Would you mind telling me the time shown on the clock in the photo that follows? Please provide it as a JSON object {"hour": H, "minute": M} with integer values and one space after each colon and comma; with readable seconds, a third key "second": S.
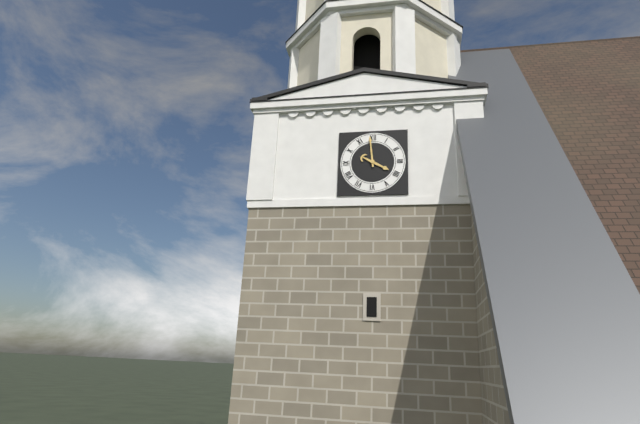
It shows {"hour": 3, "minute": 59}
